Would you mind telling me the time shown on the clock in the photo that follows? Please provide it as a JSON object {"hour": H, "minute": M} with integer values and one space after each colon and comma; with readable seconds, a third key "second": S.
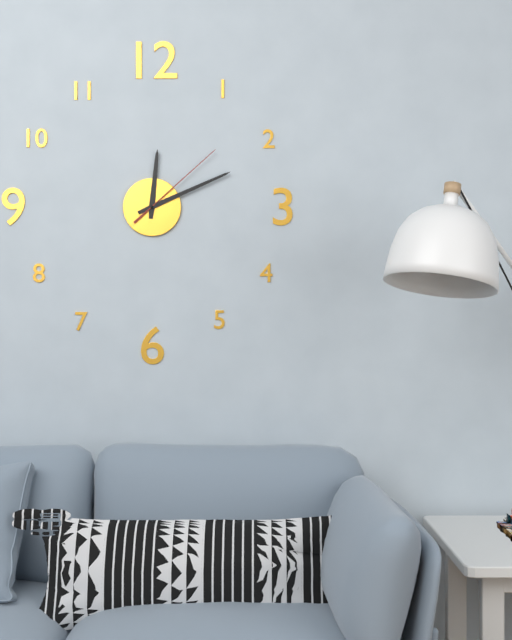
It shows {"hour": 12, "minute": 11, "second": 8}
